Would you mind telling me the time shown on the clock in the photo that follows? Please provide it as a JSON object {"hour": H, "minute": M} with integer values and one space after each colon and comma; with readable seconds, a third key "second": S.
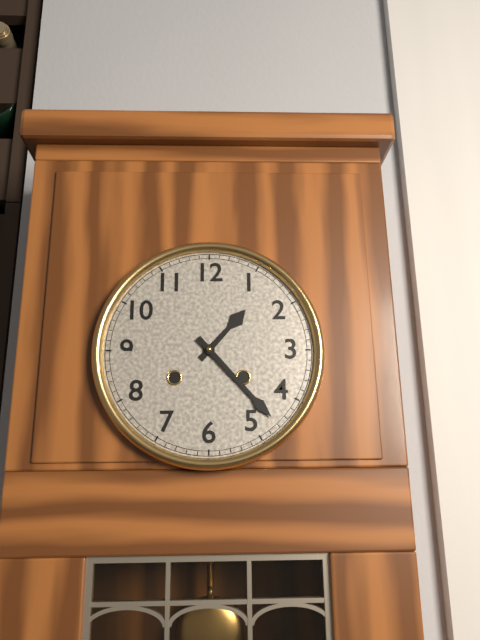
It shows {"hour": 1, "minute": 23}
